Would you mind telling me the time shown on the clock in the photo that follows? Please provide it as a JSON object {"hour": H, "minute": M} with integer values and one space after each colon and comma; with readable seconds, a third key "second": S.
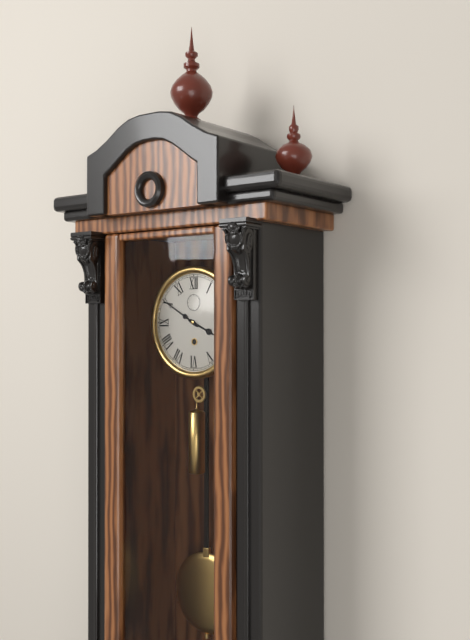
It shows {"hour": 3, "minute": 50}
